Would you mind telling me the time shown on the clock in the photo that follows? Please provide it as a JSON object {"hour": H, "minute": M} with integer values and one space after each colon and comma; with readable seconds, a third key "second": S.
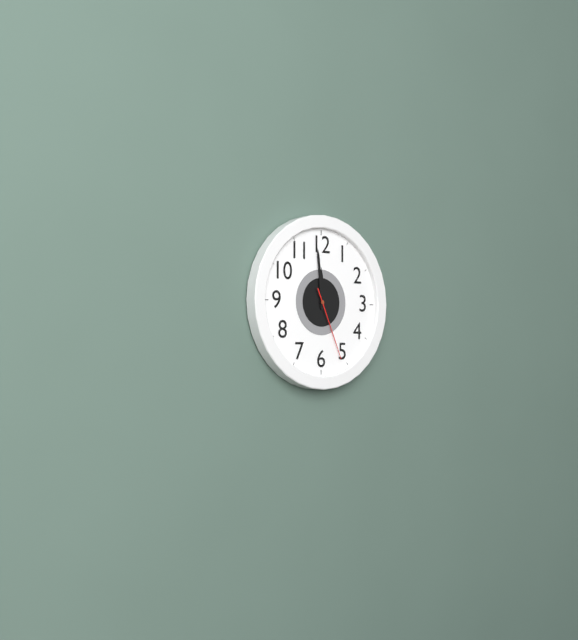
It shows {"hour": 11, "minute": 59, "second": 26}
